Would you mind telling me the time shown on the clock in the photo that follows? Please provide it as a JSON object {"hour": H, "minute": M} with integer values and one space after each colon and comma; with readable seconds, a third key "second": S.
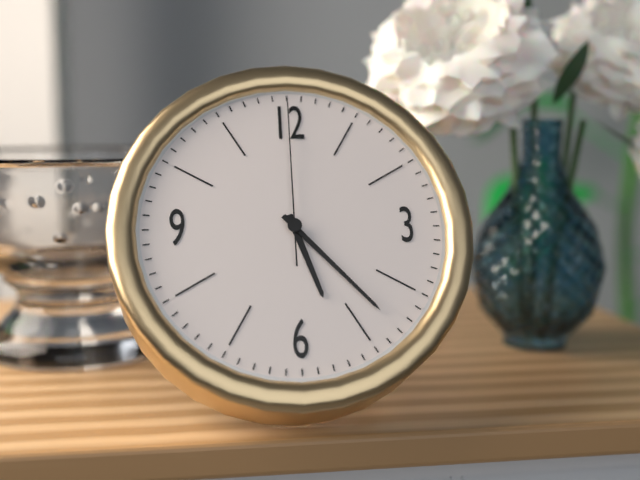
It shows {"hour": 5, "minute": 23, "second": 0}
